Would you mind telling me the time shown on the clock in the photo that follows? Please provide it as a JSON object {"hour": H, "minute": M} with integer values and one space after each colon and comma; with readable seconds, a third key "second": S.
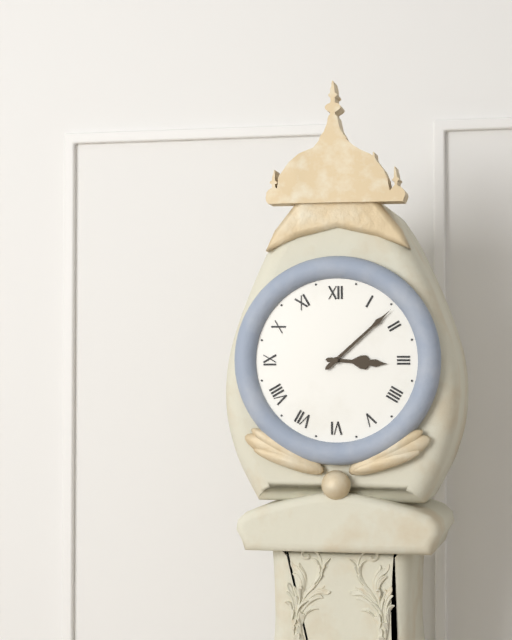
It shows {"hour": 3, "minute": 8}
